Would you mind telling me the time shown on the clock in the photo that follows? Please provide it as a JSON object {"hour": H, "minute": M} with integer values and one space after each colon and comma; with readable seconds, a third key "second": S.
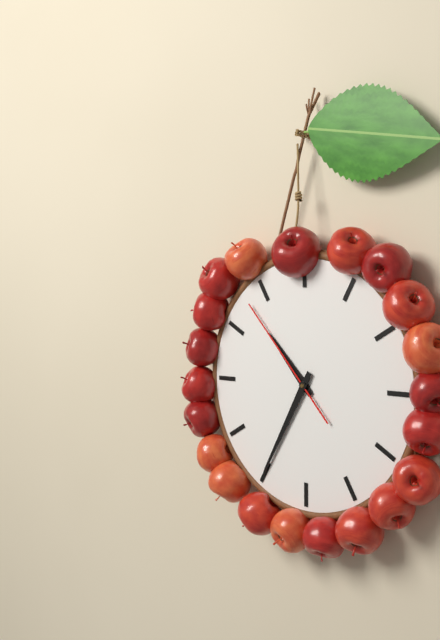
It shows {"hour": 10, "minute": 35, "second": 53}
